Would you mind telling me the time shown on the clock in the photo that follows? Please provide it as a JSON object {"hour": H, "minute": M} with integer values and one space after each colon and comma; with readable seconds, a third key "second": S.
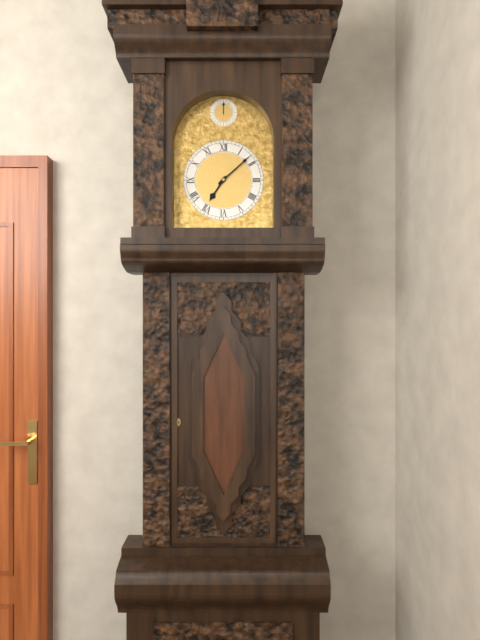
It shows {"hour": 7, "minute": 8}
